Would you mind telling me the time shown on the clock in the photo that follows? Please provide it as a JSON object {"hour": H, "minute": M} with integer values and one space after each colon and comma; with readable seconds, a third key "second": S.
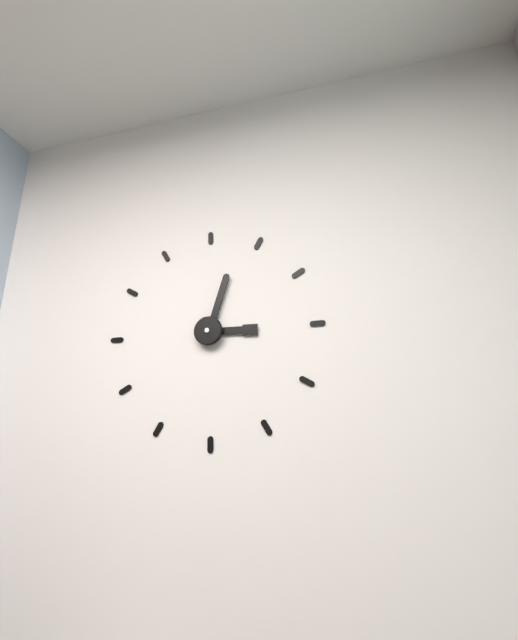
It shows {"hour": 3, "minute": 3}
